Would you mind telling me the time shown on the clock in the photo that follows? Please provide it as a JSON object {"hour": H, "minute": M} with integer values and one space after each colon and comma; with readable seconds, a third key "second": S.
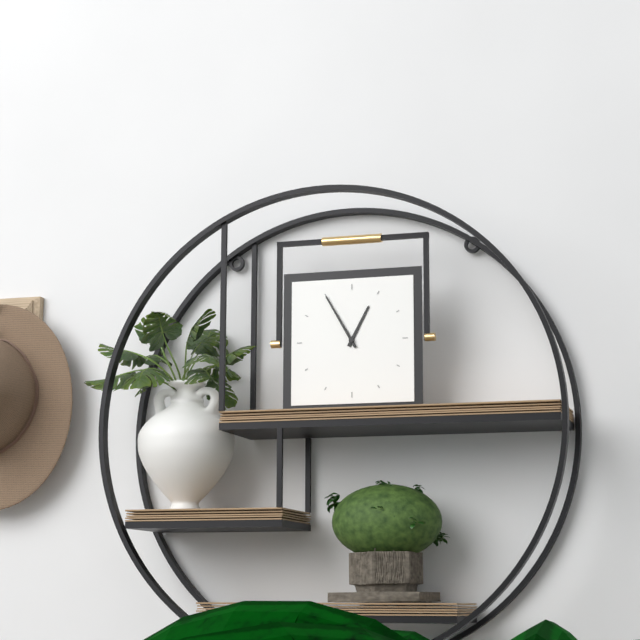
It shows {"hour": 12, "minute": 55}
